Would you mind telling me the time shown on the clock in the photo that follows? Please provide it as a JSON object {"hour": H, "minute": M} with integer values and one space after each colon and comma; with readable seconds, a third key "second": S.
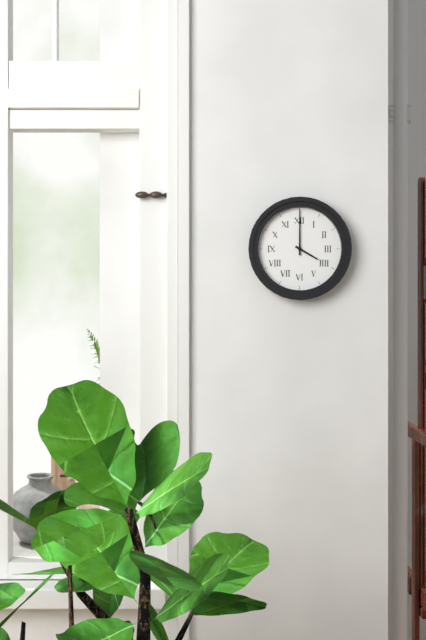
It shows {"hour": 4, "minute": 0}
